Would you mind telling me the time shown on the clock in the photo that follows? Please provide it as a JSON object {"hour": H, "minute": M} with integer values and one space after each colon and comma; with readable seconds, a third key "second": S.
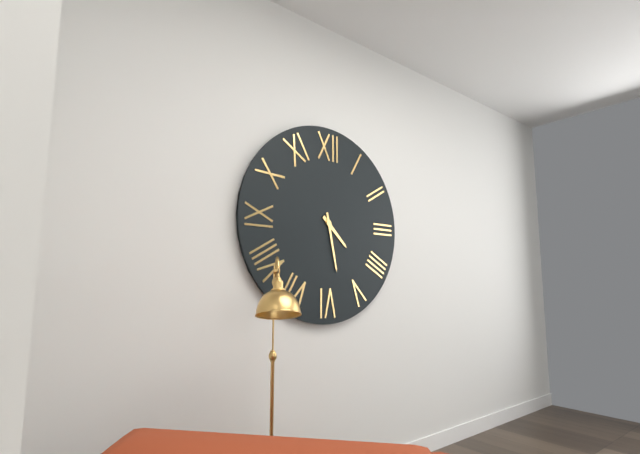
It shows {"hour": 4, "minute": 28}
